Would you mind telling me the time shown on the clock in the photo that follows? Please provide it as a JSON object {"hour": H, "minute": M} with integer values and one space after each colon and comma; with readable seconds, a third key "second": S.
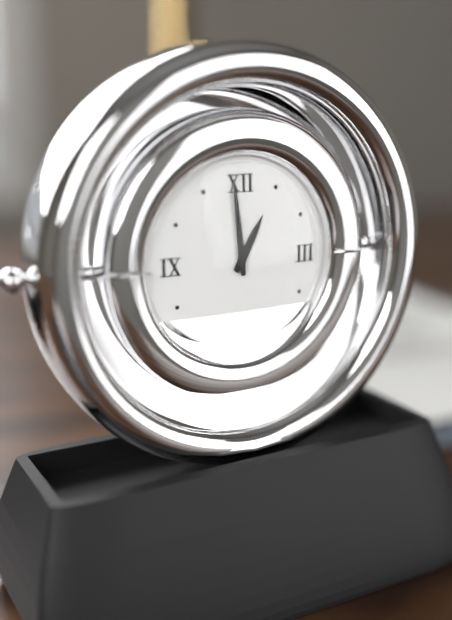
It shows {"hour": 12, "minute": 59}
